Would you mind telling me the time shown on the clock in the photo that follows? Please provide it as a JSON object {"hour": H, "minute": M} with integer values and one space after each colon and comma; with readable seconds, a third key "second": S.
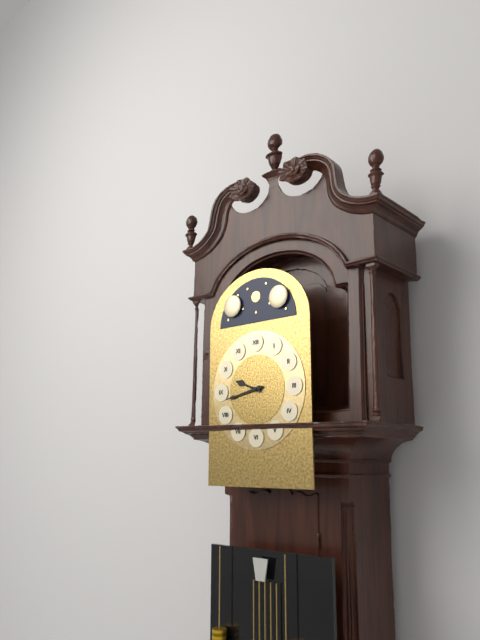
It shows {"hour": 9, "minute": 43}
